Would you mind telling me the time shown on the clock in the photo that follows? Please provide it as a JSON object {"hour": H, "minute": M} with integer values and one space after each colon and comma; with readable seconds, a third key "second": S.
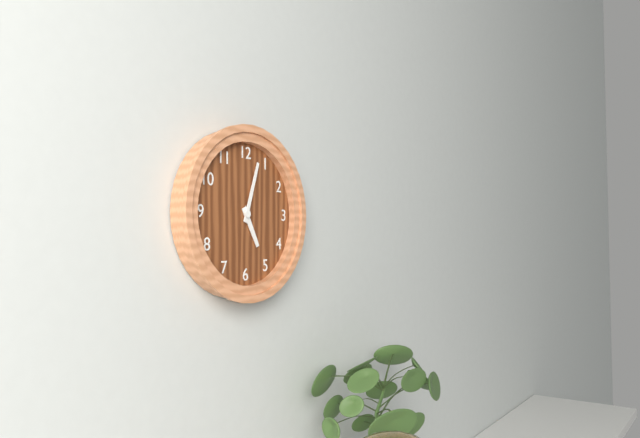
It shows {"hour": 5, "minute": 3}
